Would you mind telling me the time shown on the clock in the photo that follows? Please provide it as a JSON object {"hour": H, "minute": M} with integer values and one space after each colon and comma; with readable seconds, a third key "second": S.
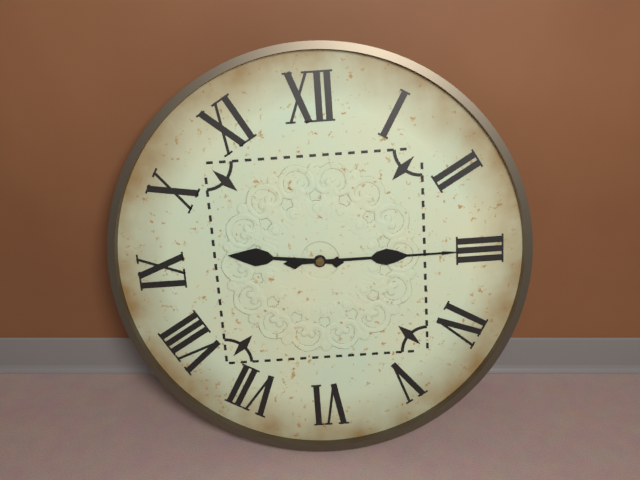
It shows {"hour": 9, "minute": 15}
